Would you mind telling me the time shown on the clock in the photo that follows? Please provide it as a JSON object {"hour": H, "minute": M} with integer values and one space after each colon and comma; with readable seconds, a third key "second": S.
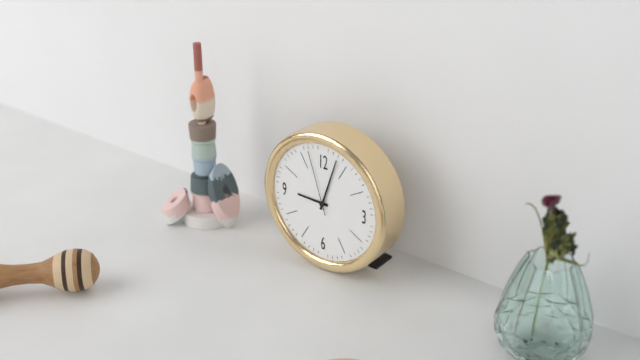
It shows {"hour": 9, "minute": 3, "second": 57}
